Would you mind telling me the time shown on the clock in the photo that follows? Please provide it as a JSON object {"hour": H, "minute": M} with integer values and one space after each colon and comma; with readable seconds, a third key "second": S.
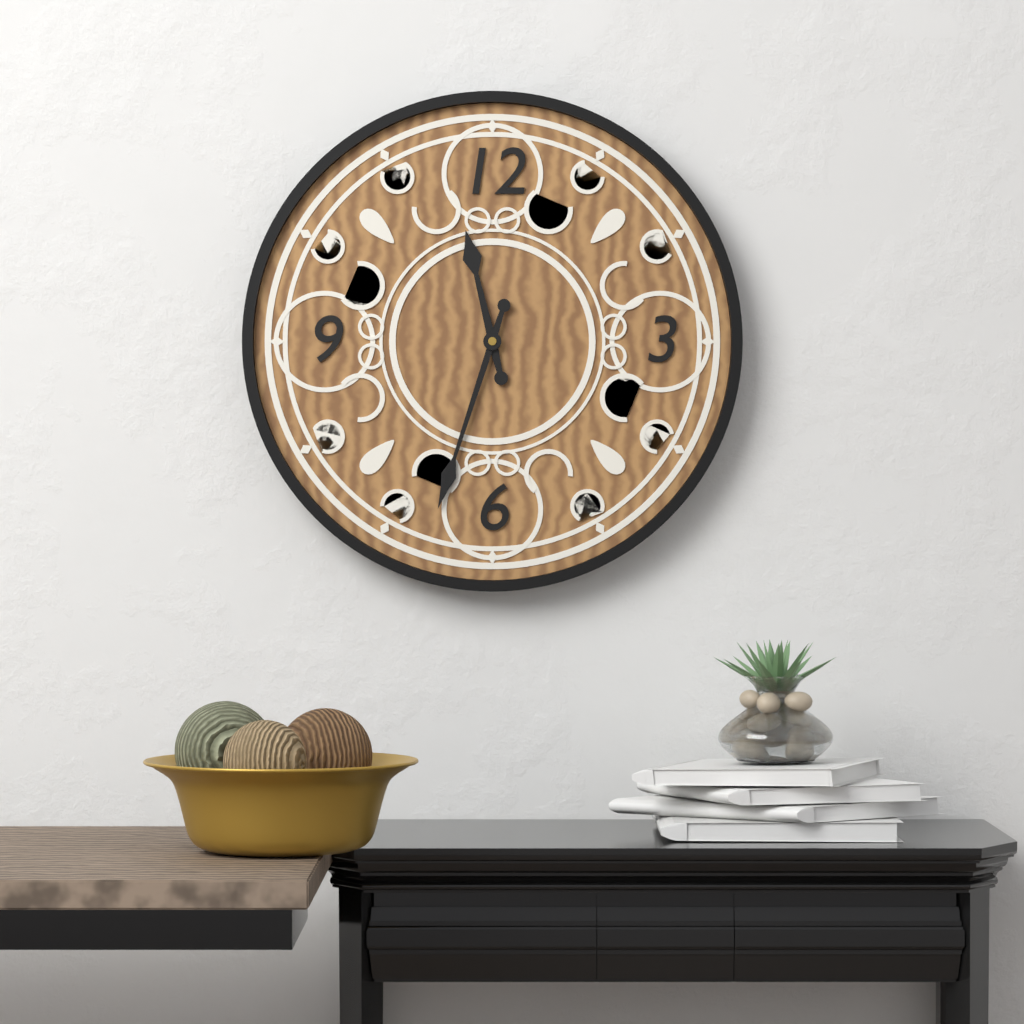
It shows {"hour": 11, "minute": 33}
